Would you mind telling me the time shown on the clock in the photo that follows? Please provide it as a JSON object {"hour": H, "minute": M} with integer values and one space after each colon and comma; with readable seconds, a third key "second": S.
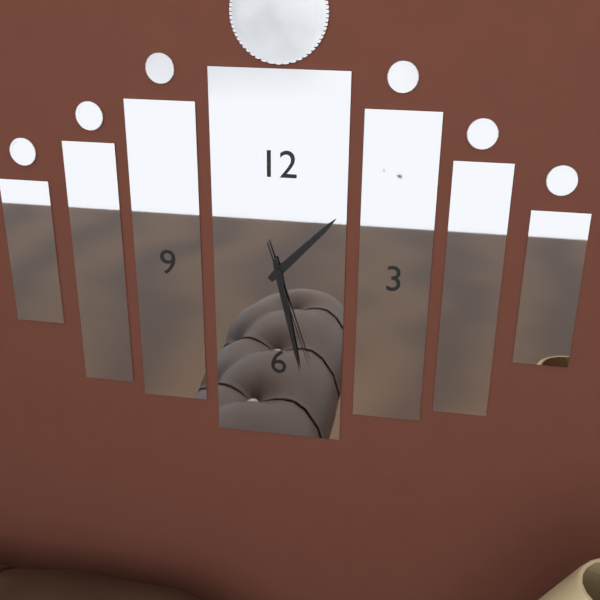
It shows {"hour": 1, "minute": 28, "second": 27}
